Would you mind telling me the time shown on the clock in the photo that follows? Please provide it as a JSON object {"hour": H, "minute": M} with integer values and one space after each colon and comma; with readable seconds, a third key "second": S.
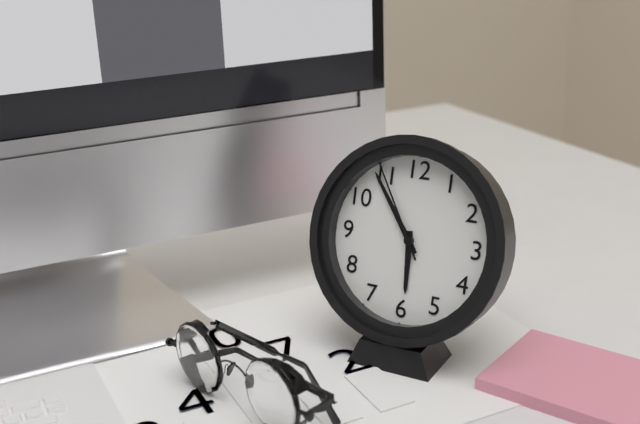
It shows {"hour": 5, "minute": 54, "second": 55}
